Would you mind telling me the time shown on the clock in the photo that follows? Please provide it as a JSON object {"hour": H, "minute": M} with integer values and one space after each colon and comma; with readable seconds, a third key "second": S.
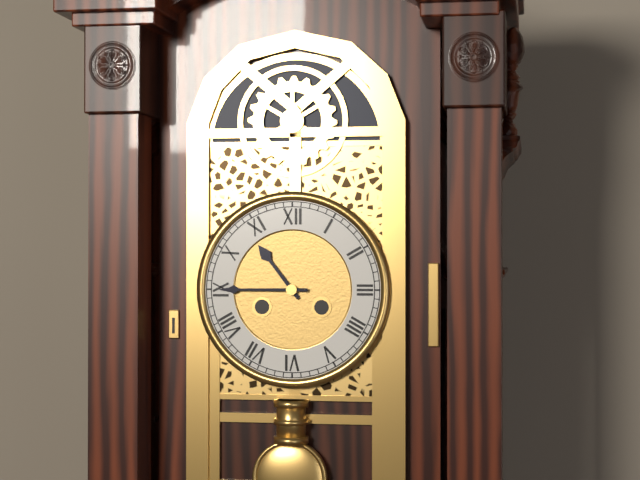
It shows {"hour": 10, "minute": 45}
